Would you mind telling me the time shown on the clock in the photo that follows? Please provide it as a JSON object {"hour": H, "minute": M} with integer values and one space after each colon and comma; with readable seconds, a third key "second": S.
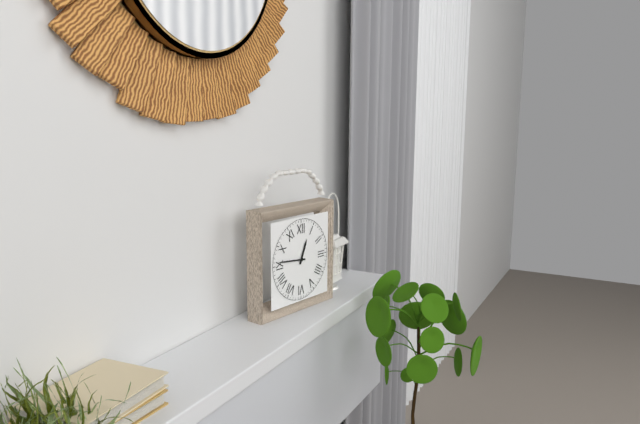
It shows {"hour": 12, "minute": 46}
